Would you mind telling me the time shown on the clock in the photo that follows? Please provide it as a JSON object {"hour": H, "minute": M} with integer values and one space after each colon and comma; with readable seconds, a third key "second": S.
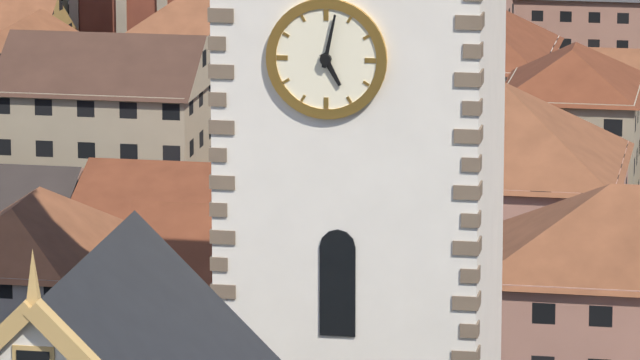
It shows {"hour": 5, "minute": 2}
